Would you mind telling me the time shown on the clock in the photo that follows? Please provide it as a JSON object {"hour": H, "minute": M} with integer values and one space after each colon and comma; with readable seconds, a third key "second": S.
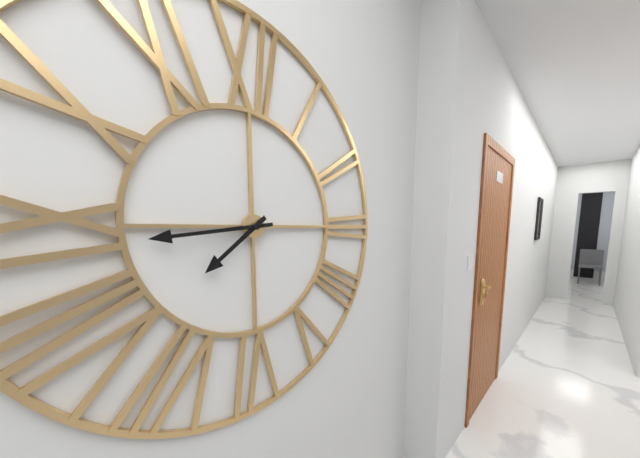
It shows {"hour": 7, "minute": 44}
